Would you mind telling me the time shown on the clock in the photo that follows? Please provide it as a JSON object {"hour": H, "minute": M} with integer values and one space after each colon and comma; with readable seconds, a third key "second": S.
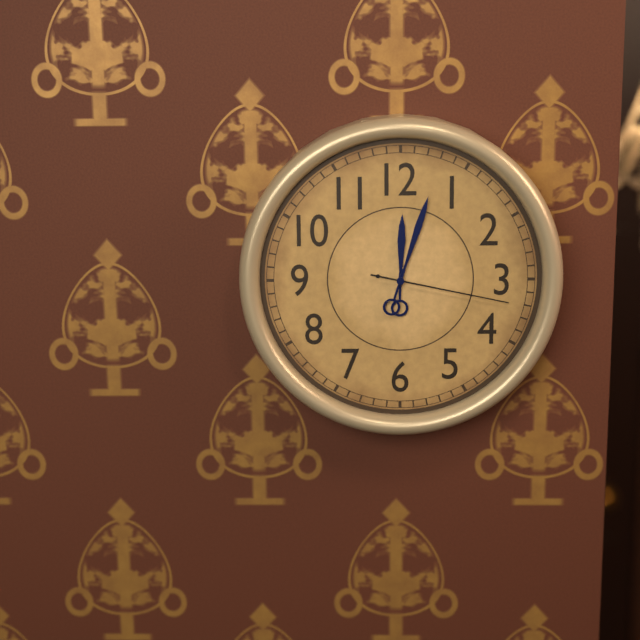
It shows {"hour": 12, "minute": 3, "second": 17}
